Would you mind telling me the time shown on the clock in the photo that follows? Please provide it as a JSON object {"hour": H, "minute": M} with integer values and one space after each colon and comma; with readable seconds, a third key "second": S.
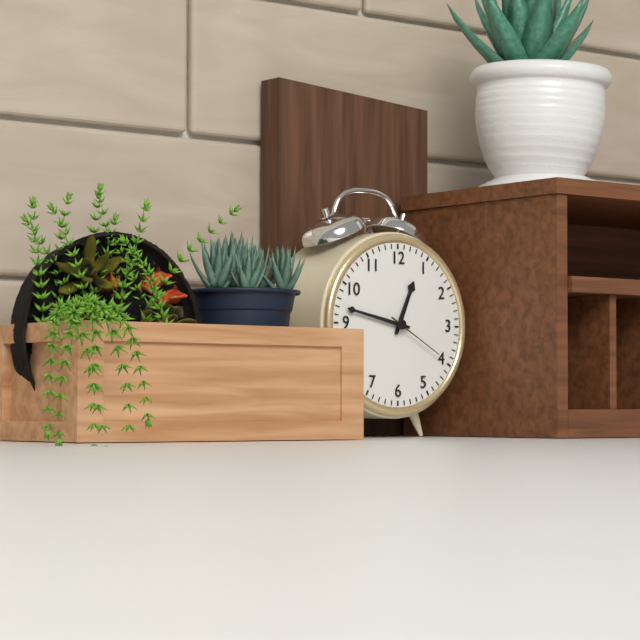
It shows {"hour": 12, "minute": 47, "second": 20}
